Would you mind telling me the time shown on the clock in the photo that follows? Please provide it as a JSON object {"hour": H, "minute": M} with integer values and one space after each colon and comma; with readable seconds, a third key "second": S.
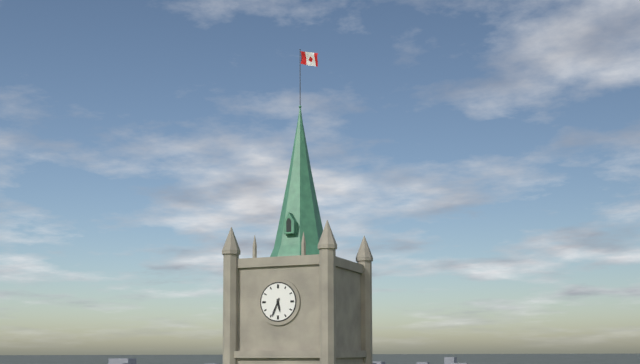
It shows {"hour": 5, "minute": 34}
